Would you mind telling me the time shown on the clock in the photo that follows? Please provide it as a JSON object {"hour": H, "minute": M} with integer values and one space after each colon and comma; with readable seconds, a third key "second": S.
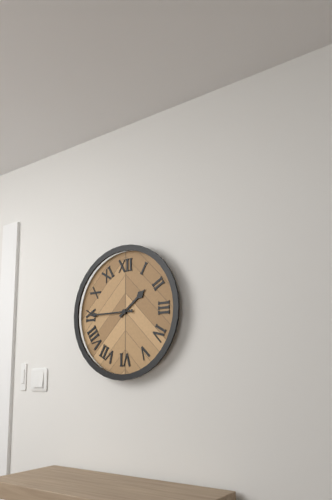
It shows {"hour": 1, "minute": 45}
